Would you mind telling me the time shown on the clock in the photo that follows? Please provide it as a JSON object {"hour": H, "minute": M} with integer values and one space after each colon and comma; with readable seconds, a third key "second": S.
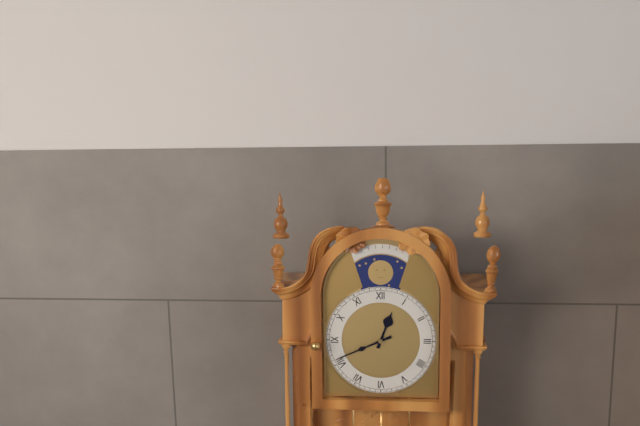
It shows {"hour": 12, "minute": 41}
